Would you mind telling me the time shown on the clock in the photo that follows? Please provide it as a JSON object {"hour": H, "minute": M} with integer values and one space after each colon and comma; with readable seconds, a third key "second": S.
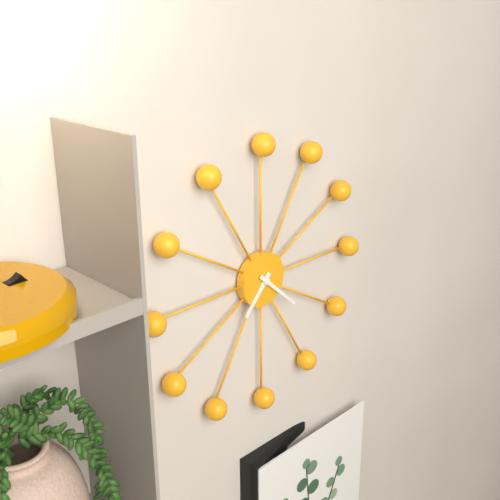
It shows {"hour": 7, "minute": 22}
